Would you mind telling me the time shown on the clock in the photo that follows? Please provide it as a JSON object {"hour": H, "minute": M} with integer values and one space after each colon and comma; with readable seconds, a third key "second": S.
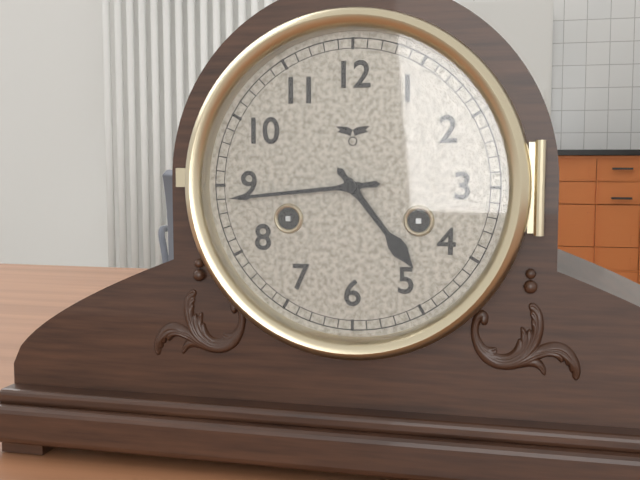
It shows {"hour": 4, "minute": 44}
